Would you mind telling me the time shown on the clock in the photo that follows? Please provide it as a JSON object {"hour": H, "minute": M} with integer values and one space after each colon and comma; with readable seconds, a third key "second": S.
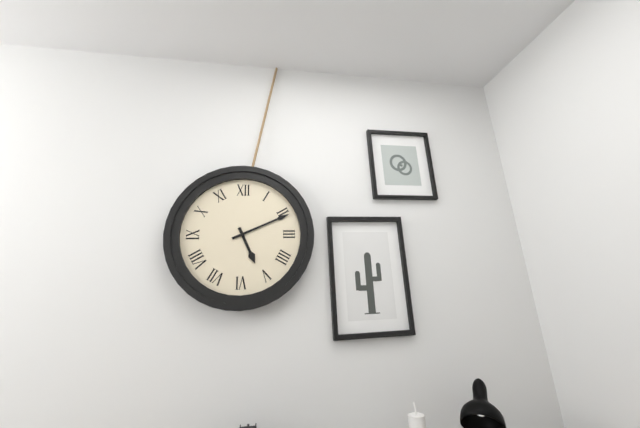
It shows {"hour": 5, "minute": 11}
